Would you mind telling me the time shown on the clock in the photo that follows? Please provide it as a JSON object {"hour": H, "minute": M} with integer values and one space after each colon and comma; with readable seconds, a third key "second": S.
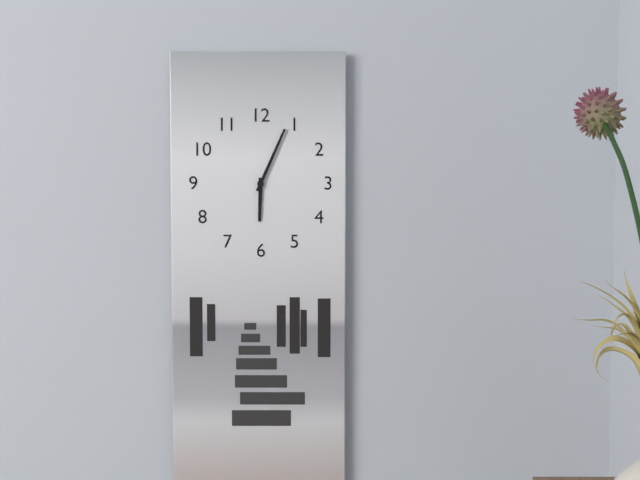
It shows {"hour": 6, "minute": 4}
